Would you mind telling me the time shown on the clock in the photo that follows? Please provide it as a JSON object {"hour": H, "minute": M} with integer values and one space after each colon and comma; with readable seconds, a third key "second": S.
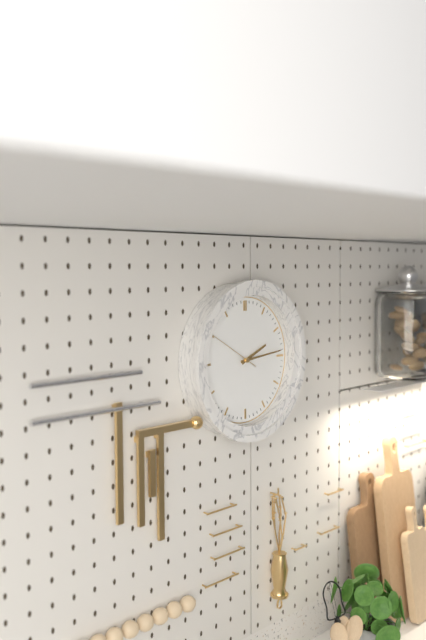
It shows {"hour": 2, "minute": 14, "second": 50}
